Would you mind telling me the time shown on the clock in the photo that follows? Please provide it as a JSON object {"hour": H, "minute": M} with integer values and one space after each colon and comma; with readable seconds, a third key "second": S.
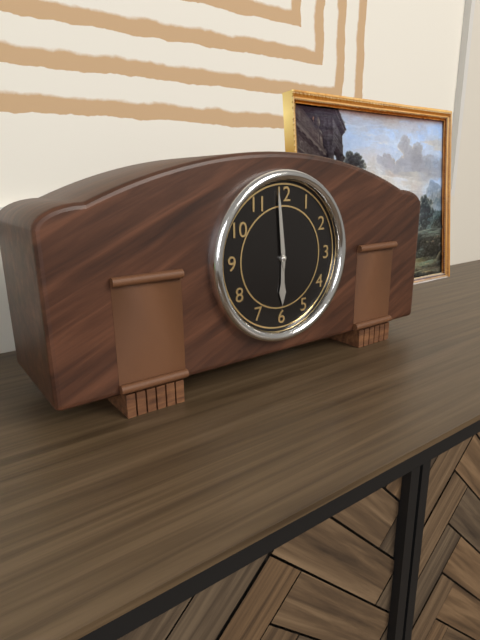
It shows {"hour": 5, "minute": 59}
